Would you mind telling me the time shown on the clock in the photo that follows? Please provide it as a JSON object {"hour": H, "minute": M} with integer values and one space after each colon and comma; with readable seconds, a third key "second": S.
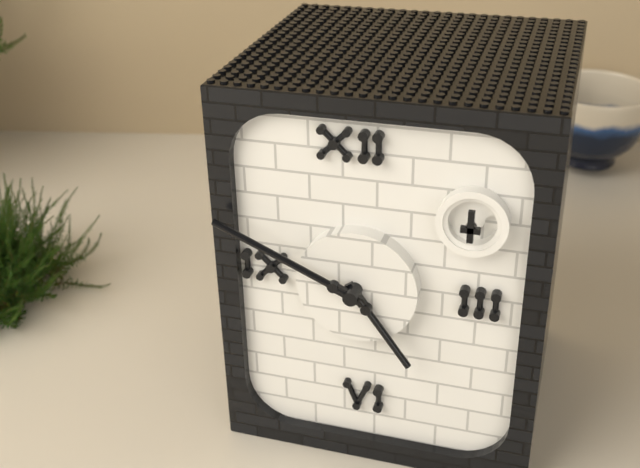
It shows {"hour": 4, "minute": 49}
